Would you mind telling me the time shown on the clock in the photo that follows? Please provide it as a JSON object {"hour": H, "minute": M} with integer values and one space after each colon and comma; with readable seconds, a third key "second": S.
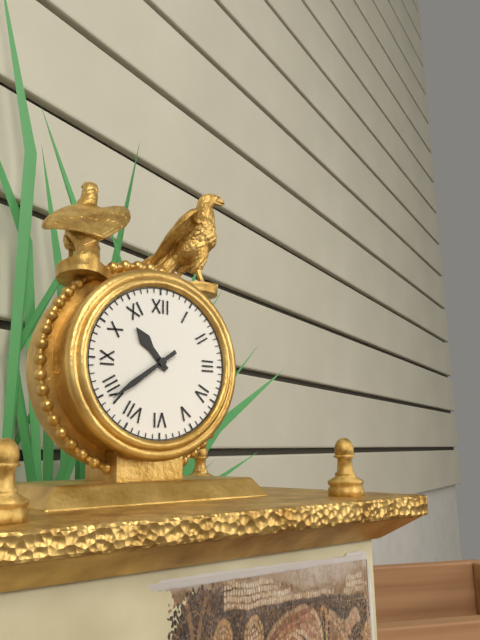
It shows {"hour": 10, "minute": 39}
